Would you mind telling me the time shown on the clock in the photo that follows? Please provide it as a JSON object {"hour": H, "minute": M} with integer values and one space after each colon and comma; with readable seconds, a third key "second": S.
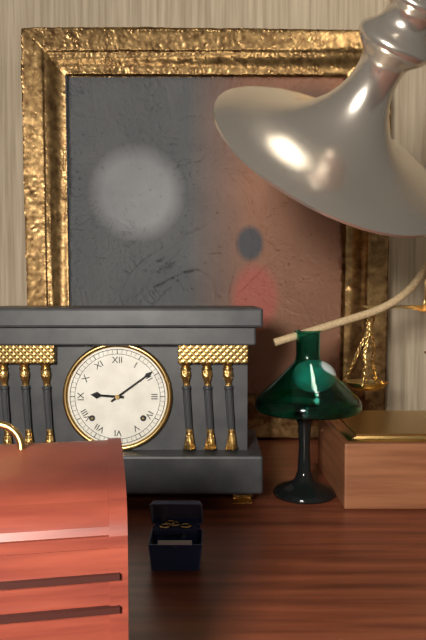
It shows {"hour": 9, "minute": 9}
